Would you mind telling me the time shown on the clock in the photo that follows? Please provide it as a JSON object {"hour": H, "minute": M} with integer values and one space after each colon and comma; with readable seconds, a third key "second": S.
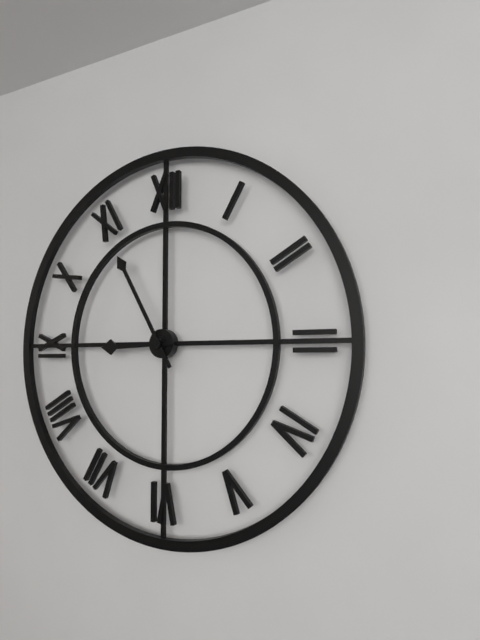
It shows {"hour": 8, "minute": 55}
